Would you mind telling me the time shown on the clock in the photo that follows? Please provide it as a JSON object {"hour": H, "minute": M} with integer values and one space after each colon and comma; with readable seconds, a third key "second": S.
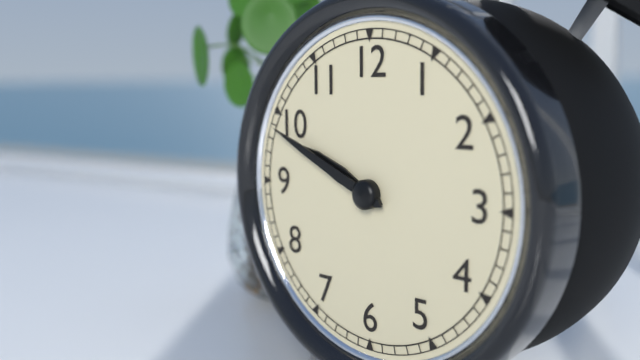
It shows {"hour": 9, "minute": 49}
